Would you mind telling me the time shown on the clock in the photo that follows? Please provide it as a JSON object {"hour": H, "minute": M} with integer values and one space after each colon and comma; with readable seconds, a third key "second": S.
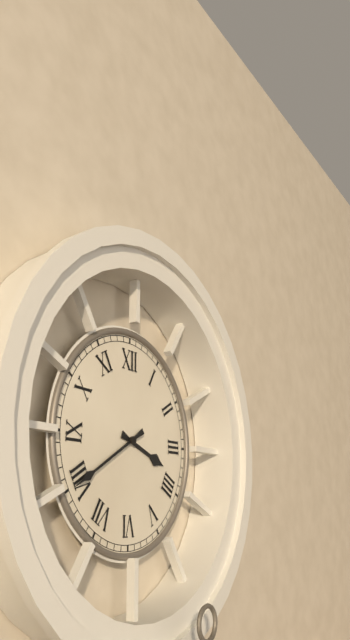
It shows {"hour": 3, "minute": 40}
